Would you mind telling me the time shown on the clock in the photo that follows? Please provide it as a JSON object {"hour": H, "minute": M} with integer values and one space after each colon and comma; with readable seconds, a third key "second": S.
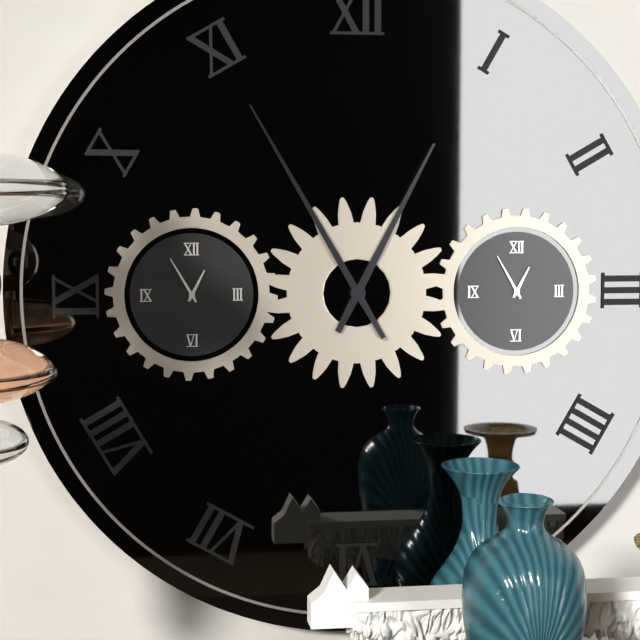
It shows {"hour": 12, "minute": 55}
